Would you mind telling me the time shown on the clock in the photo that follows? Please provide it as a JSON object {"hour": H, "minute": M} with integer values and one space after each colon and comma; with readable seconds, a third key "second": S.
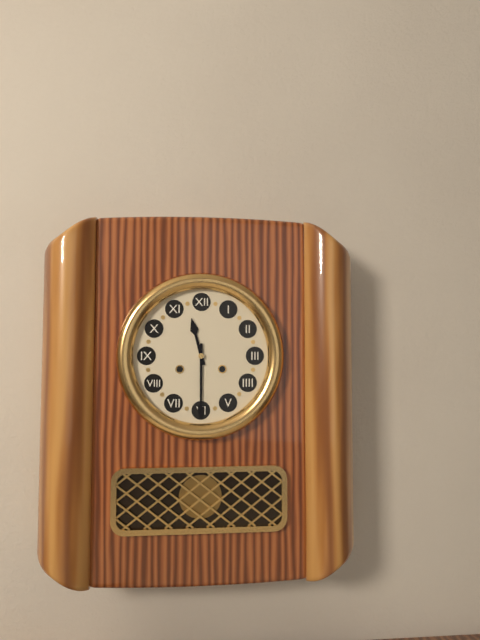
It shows {"hour": 11, "minute": 30}
